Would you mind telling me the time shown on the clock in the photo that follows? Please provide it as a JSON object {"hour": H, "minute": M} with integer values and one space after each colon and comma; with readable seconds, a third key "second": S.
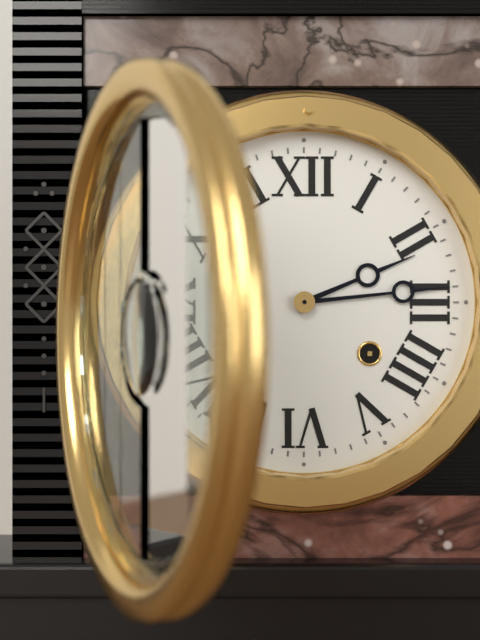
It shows {"hour": 2, "minute": 14}
